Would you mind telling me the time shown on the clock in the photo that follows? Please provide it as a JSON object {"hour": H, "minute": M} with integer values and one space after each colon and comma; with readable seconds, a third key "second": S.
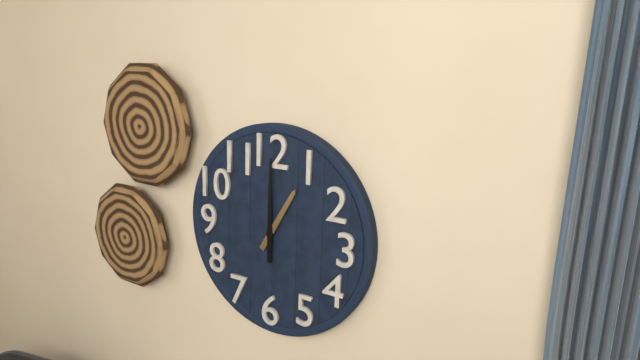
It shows {"hour": 1, "minute": 0}
